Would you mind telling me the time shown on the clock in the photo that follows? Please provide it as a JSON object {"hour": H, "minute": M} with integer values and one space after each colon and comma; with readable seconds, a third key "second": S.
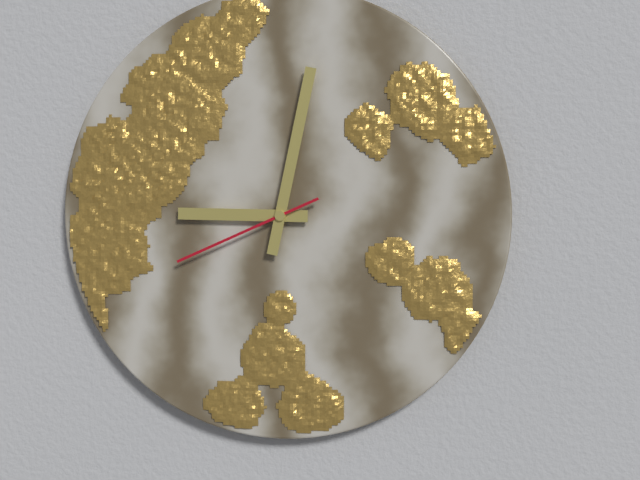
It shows {"hour": 9, "minute": 2, "second": 41}
